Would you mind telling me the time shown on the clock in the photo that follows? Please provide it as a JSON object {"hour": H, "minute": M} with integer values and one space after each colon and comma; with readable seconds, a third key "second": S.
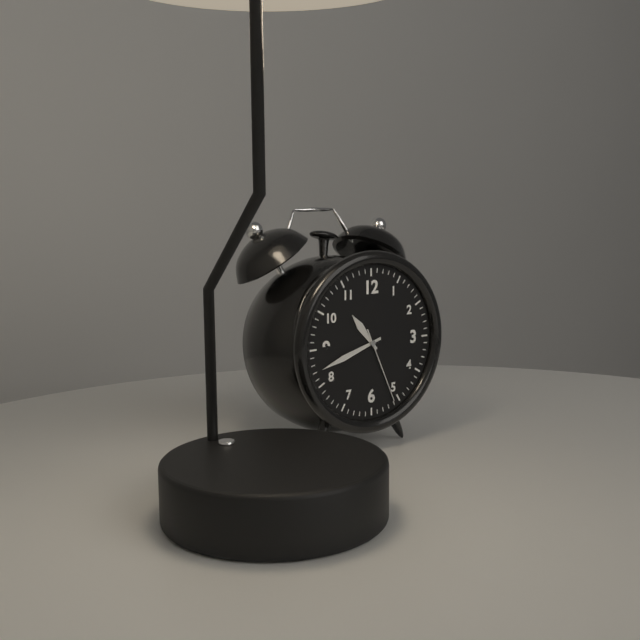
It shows {"hour": 10, "minute": 42, "second": 26}
